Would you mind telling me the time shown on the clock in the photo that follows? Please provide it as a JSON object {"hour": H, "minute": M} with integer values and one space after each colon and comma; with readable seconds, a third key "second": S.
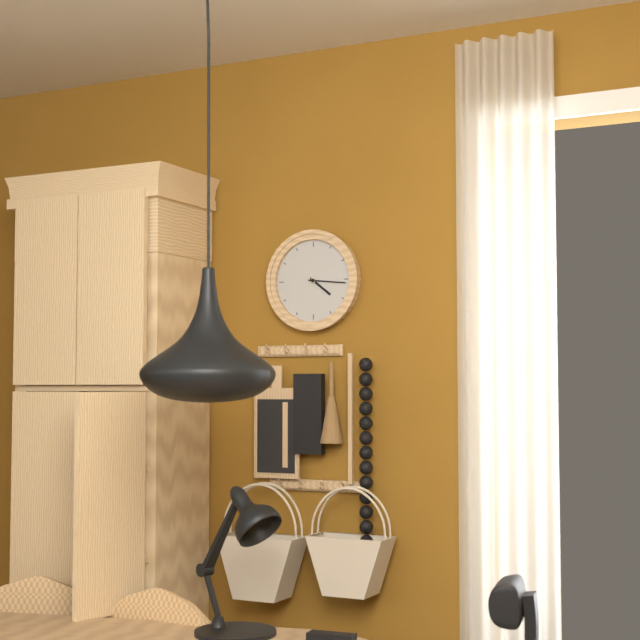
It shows {"hour": 4, "minute": 16}
